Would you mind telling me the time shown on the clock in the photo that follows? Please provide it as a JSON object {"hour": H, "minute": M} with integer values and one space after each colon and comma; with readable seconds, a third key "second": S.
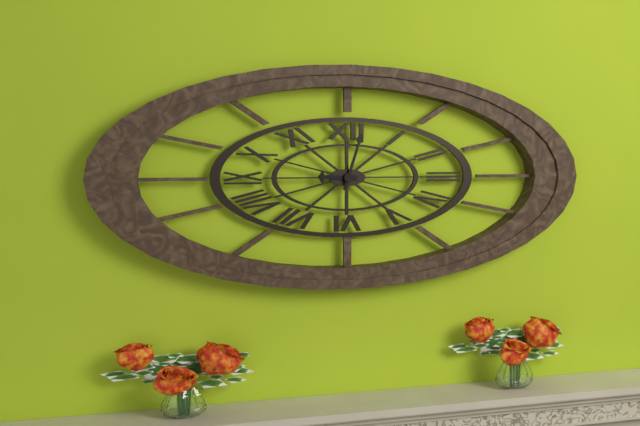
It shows {"hour": 9, "minute": 3}
